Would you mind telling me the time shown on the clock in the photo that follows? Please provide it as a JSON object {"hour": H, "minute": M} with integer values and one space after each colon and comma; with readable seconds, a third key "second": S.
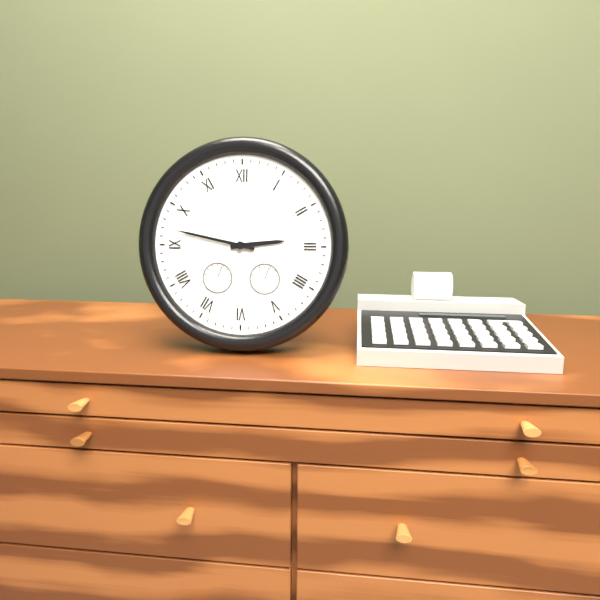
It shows {"hour": 2, "minute": 47}
